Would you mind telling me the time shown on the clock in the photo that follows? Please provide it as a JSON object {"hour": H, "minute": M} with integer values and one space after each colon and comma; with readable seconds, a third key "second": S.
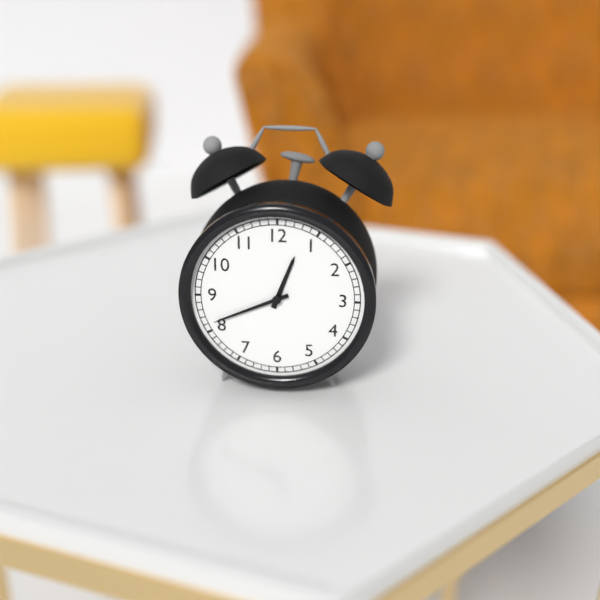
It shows {"hour": 12, "minute": 41}
